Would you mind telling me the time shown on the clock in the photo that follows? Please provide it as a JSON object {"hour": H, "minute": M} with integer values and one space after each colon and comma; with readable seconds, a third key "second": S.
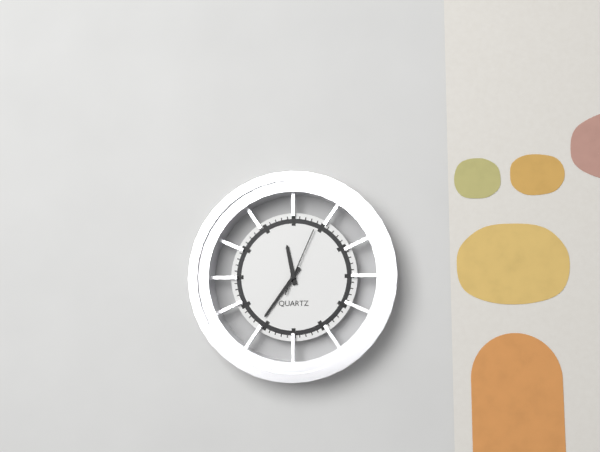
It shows {"hour": 11, "minute": 36, "second": 4}
